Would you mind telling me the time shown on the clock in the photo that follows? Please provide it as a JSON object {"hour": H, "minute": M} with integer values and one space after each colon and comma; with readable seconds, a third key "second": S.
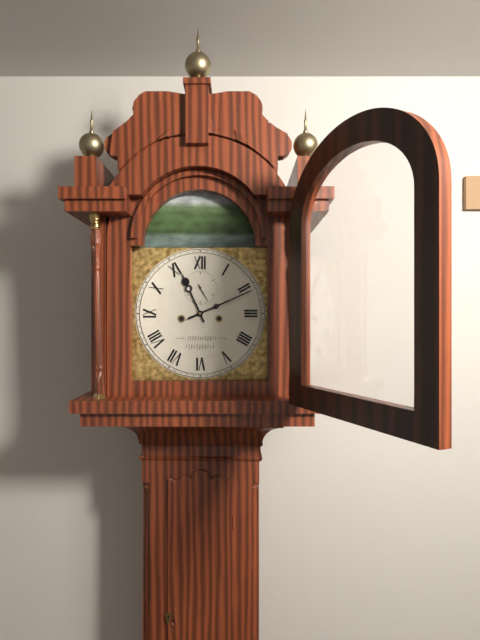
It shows {"hour": 11, "minute": 11}
